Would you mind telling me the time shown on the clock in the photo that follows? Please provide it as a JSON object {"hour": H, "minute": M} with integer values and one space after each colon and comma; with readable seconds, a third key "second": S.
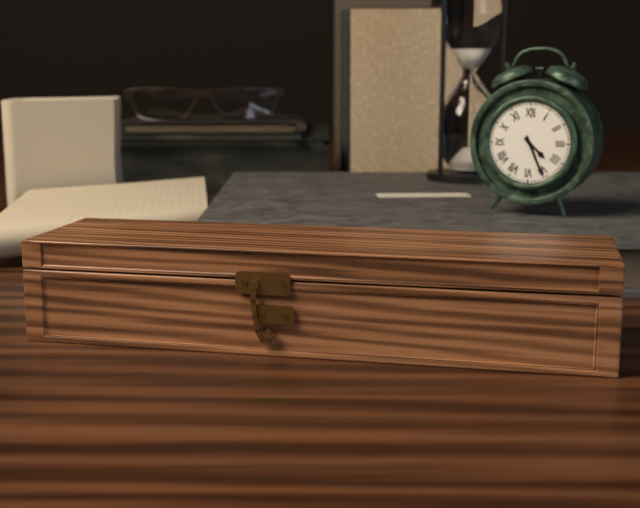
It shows {"hour": 4, "minute": 26}
